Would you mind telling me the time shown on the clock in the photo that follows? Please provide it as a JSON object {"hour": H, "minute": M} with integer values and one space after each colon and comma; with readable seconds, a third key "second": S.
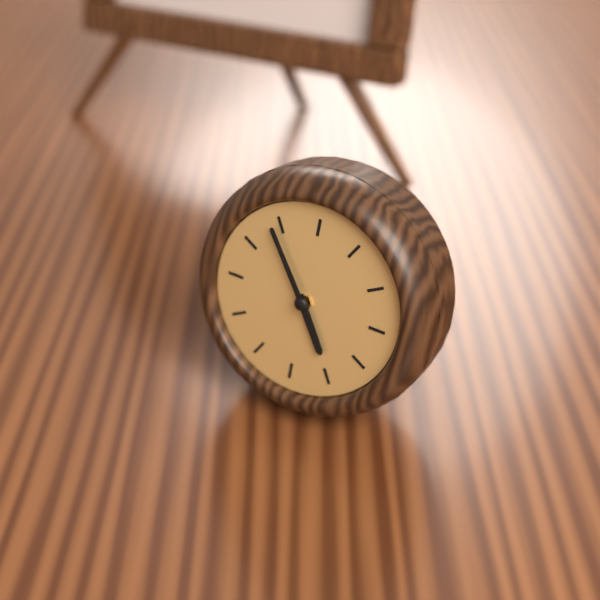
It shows {"hour": 4, "minute": 54}
